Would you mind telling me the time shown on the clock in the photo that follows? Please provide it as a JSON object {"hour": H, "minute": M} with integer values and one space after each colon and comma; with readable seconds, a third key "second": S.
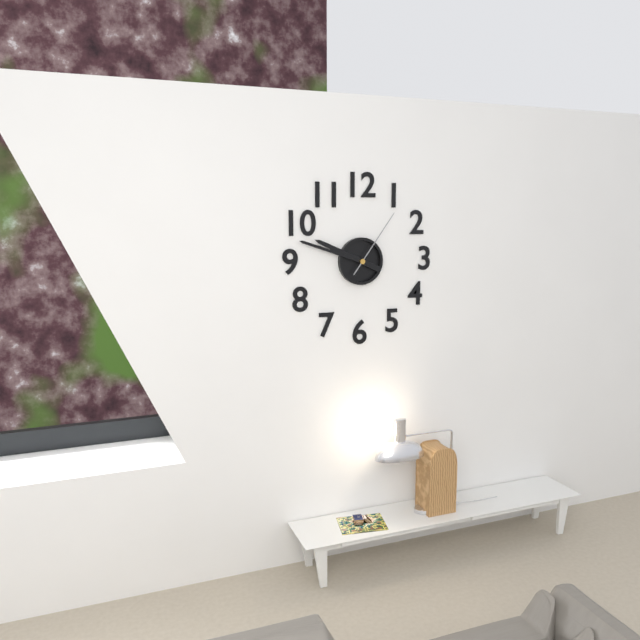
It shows {"hour": 9, "minute": 48, "second": 6}
